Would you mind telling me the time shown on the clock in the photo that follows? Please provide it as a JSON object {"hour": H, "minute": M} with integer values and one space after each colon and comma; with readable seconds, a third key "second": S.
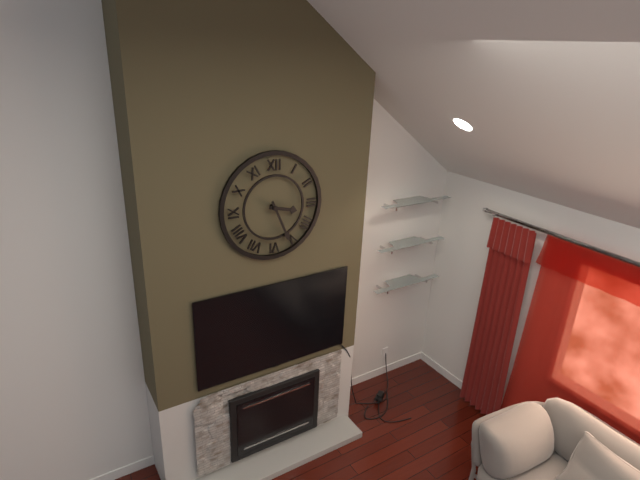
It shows {"hour": 3, "minute": 26}
